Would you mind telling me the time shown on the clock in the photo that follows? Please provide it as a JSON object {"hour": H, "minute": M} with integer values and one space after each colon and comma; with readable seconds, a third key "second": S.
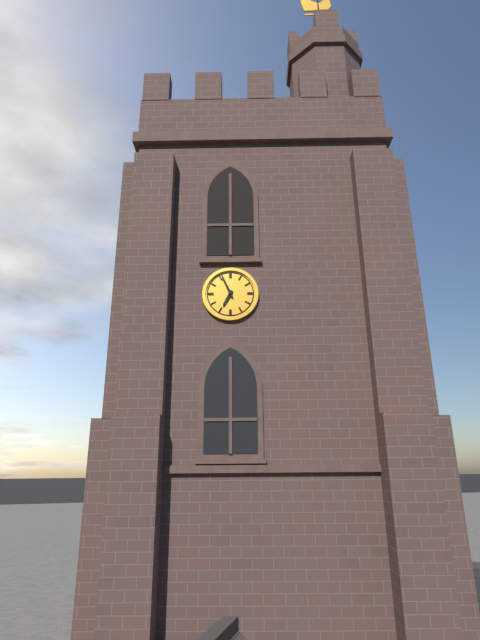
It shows {"hour": 6, "minute": 56}
